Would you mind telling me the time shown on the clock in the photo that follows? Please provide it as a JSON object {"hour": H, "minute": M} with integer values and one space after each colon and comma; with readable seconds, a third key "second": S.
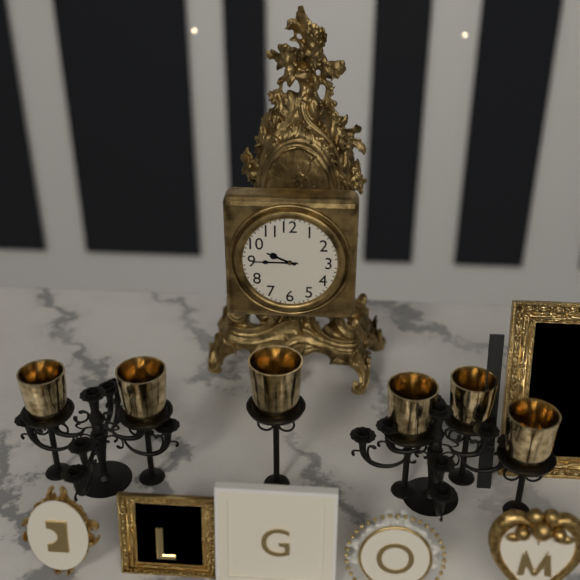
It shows {"hour": 9, "minute": 45}
